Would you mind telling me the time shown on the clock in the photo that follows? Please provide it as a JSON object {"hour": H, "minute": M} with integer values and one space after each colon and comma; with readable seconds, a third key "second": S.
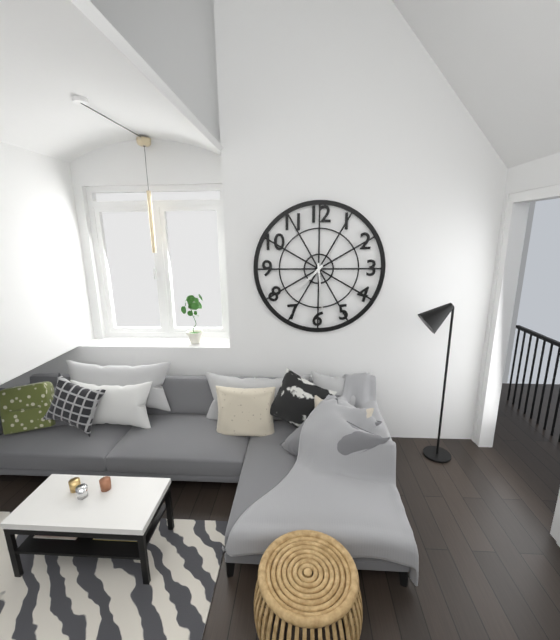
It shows {"hour": 7, "minute": 29}
